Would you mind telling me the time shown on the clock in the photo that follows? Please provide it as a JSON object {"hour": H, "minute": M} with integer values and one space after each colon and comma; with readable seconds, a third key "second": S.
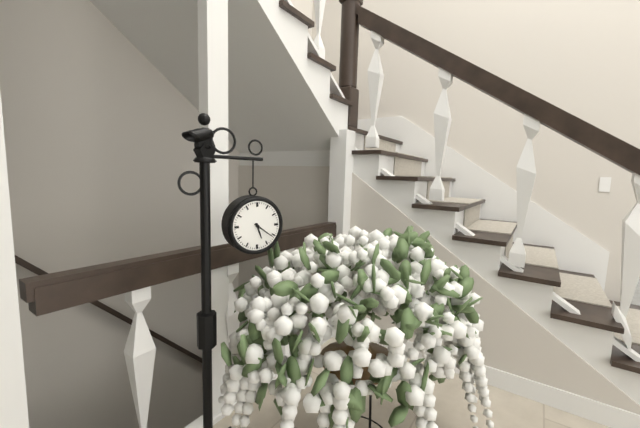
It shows {"hour": 5, "minute": 21}
